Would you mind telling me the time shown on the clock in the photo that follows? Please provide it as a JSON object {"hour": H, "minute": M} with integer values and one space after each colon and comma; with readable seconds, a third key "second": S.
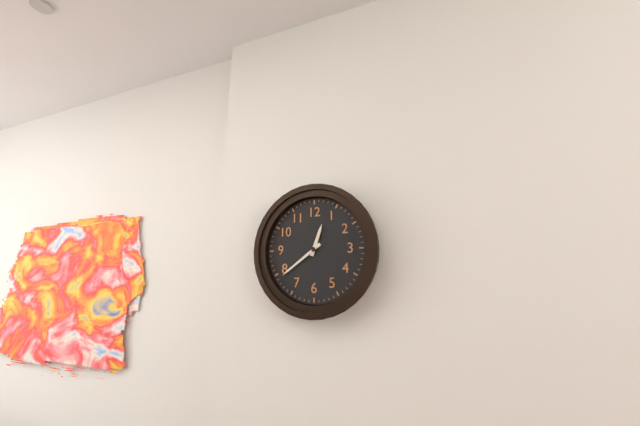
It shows {"hour": 12, "minute": 39}
